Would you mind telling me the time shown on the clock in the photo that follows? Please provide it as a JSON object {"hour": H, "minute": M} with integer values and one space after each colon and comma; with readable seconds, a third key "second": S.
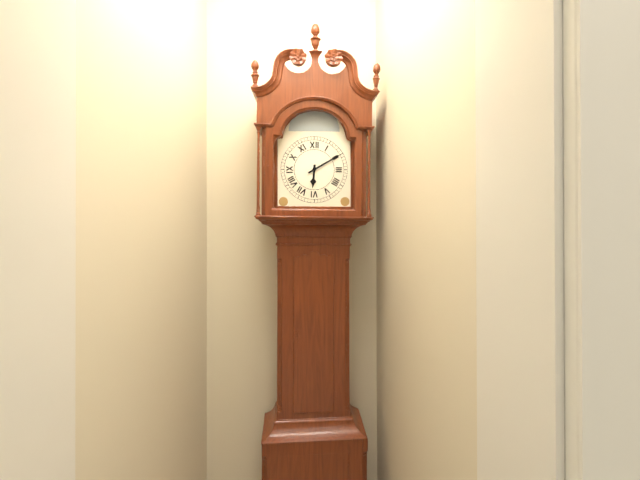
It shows {"hour": 6, "minute": 10}
